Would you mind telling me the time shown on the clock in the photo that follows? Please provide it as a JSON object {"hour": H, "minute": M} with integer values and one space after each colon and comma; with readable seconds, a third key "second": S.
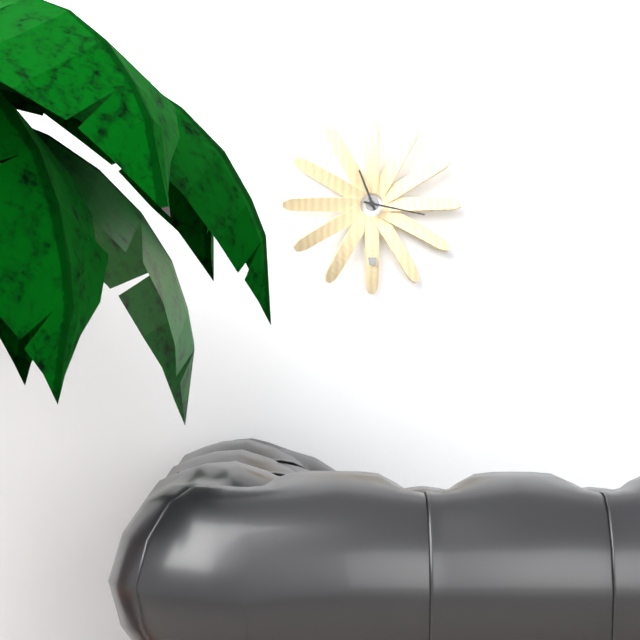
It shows {"hour": 11, "minute": 17}
